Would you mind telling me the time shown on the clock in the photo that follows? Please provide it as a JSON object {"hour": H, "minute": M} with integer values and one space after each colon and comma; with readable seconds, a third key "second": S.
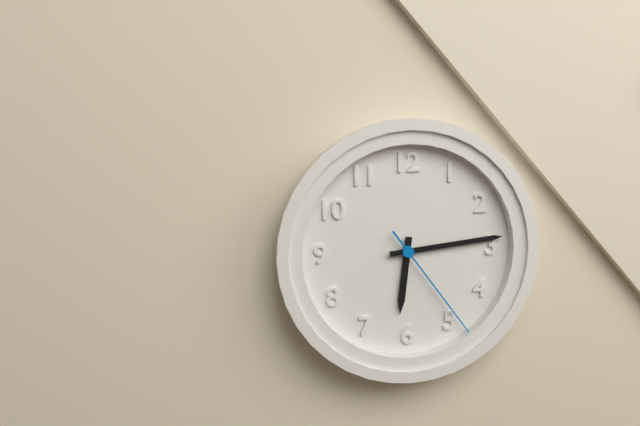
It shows {"hour": 6, "minute": 14, "second": 24}
